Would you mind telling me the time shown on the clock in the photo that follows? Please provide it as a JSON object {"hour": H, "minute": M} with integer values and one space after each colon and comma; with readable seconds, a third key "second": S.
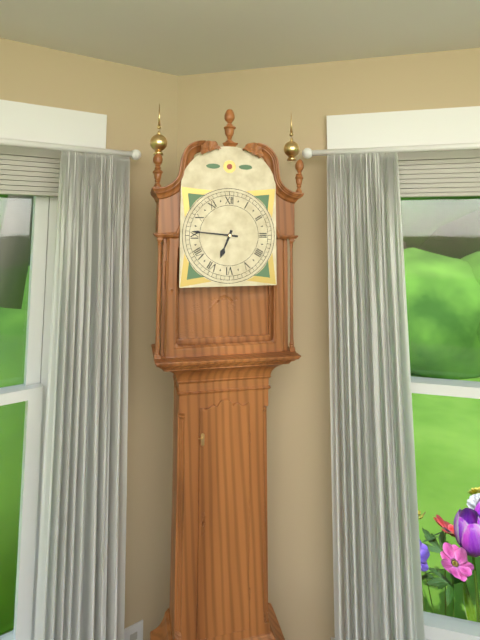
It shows {"hour": 6, "minute": 46}
